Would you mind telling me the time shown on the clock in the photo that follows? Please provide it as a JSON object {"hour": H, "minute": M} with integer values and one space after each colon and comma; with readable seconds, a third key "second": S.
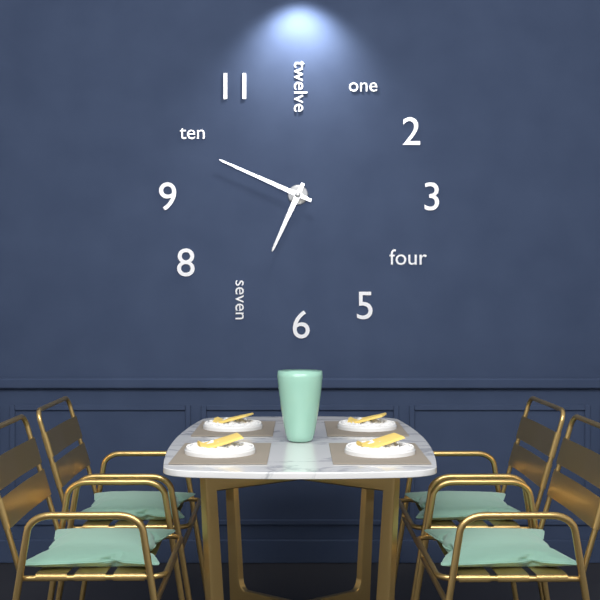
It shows {"hour": 6, "minute": 49}
